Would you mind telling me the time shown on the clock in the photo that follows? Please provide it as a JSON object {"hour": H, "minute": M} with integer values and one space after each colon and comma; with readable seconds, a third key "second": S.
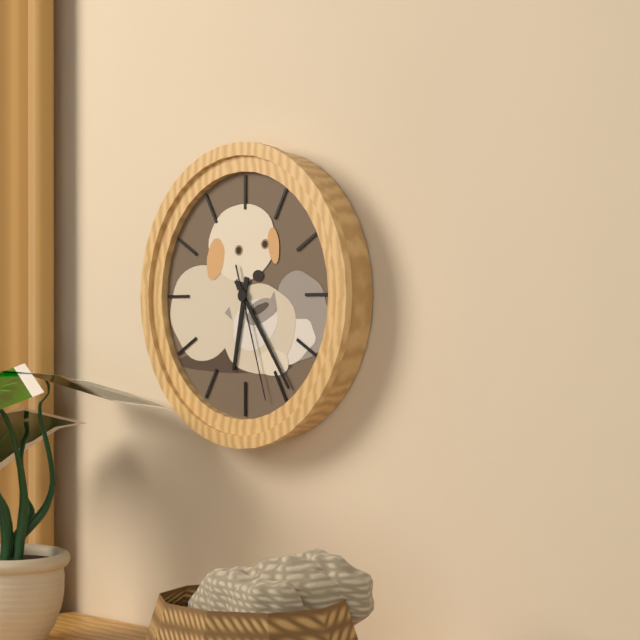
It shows {"hour": 6, "minute": 24, "second": 27}
